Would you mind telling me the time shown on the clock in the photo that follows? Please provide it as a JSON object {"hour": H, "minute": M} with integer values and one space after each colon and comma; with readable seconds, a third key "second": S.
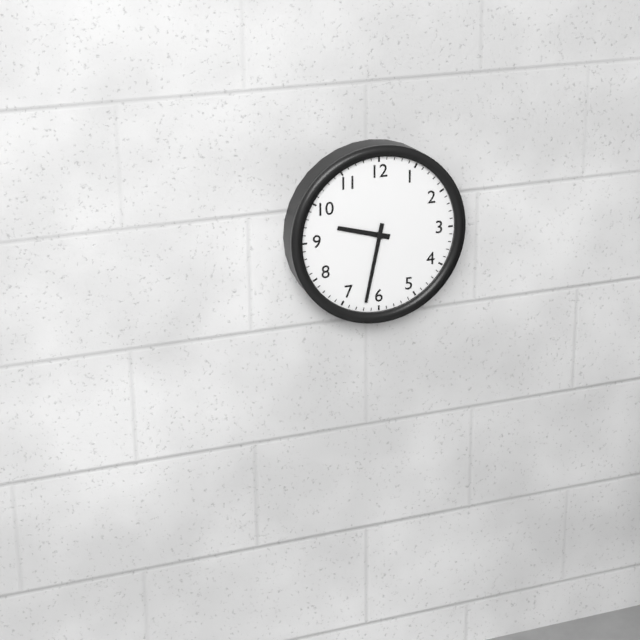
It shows {"hour": 9, "minute": 32}
